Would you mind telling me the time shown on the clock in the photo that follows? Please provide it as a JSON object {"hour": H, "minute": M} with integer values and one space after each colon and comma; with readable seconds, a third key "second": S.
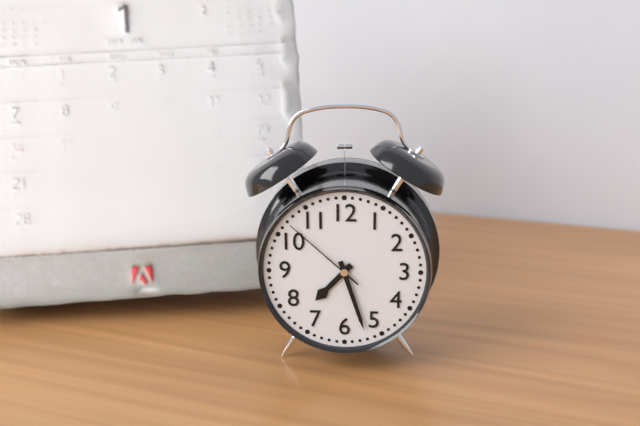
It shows {"hour": 7, "minute": 27, "second": 52}
